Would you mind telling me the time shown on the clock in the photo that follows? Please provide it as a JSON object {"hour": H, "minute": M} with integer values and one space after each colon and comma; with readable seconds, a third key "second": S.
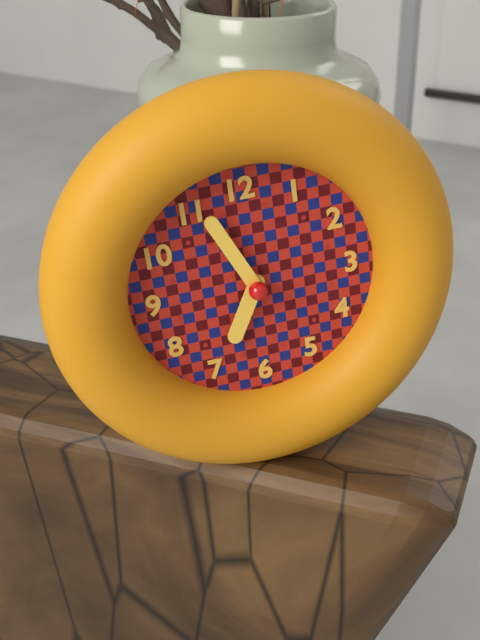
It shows {"hour": 6, "minute": 56}
